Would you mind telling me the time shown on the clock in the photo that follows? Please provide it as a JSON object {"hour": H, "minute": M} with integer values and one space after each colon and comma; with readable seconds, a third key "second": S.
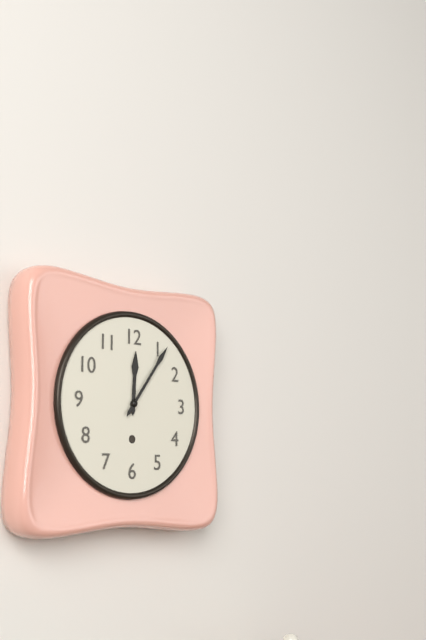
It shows {"hour": 12, "minute": 6}
